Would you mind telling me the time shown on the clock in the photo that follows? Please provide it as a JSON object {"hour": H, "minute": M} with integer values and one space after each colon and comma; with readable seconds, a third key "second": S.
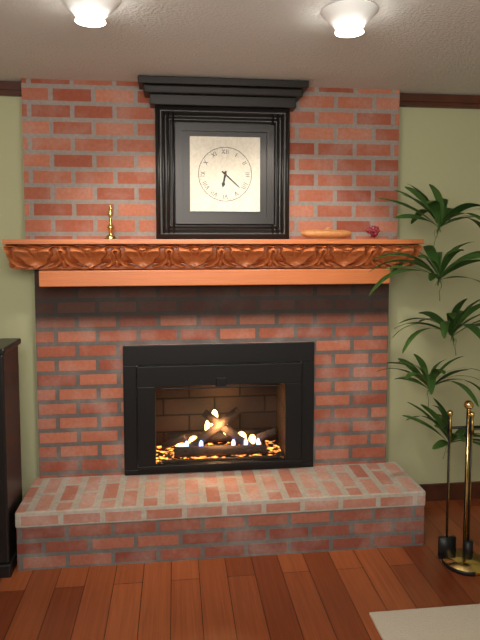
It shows {"hour": 6, "minute": 22}
